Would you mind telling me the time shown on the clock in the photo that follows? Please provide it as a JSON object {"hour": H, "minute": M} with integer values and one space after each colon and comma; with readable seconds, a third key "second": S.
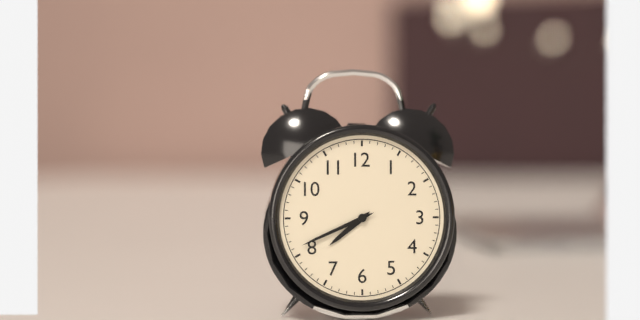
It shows {"hour": 7, "minute": 41}
